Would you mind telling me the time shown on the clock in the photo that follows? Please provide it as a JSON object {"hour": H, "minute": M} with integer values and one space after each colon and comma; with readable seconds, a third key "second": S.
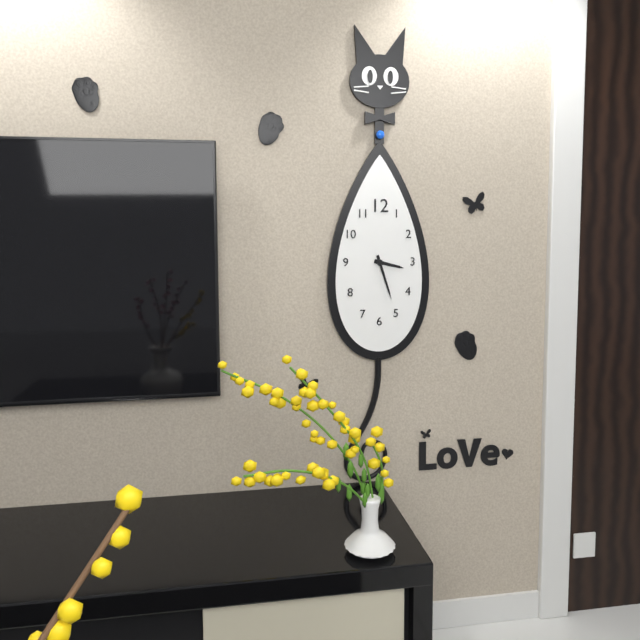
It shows {"hour": 3, "minute": 27}
